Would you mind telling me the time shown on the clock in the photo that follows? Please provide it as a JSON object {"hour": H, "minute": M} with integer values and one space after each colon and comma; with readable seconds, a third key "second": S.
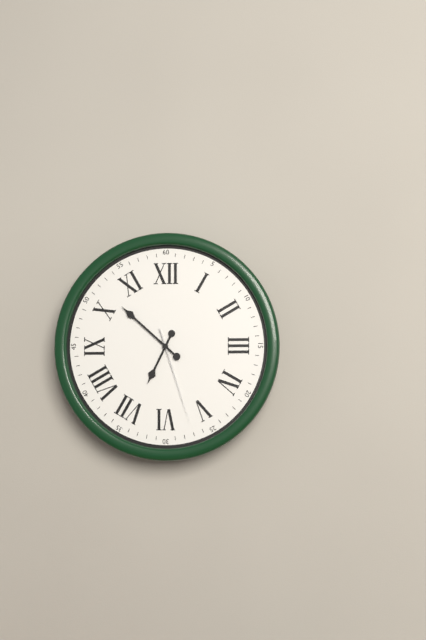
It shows {"hour": 6, "minute": 52, "second": 27}
